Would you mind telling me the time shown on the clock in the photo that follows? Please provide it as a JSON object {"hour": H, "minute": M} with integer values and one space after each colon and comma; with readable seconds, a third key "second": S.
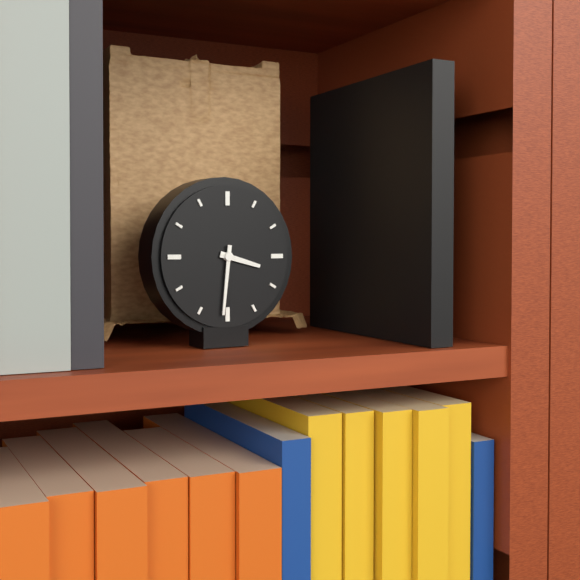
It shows {"hour": 3, "minute": 31}
